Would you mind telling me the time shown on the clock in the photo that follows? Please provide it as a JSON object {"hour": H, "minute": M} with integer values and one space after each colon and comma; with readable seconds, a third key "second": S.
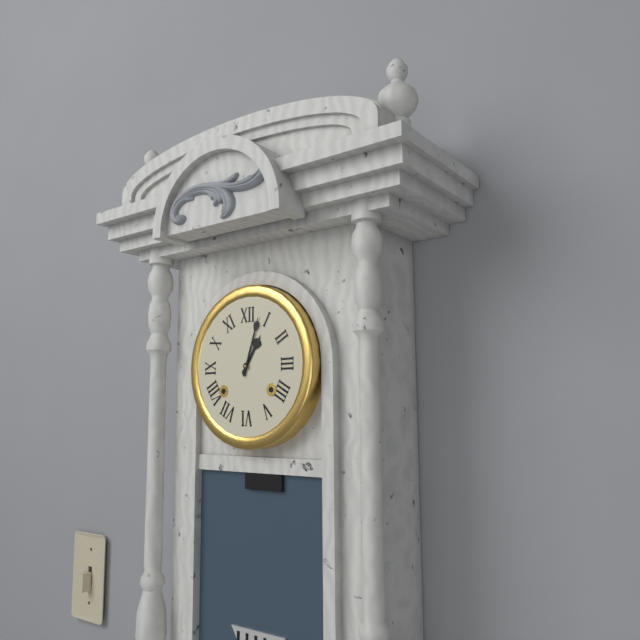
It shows {"hour": 1, "minute": 3}
